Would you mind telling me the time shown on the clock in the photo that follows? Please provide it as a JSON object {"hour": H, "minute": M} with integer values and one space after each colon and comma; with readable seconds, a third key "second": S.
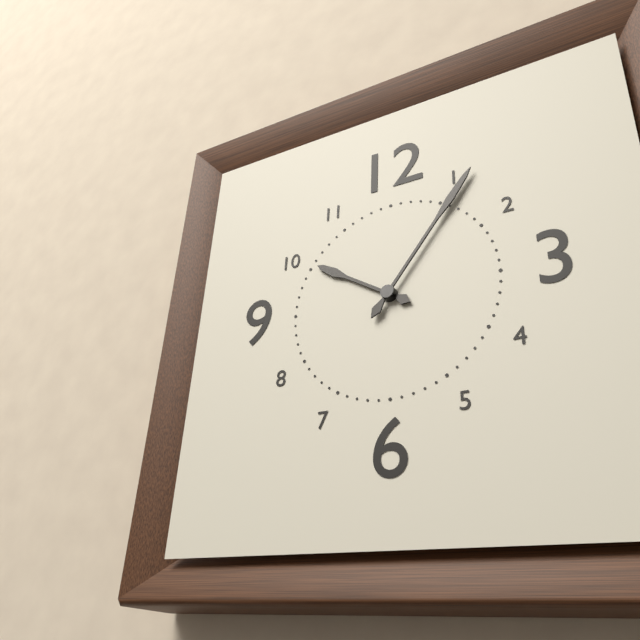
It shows {"hour": 10, "minute": 6}
